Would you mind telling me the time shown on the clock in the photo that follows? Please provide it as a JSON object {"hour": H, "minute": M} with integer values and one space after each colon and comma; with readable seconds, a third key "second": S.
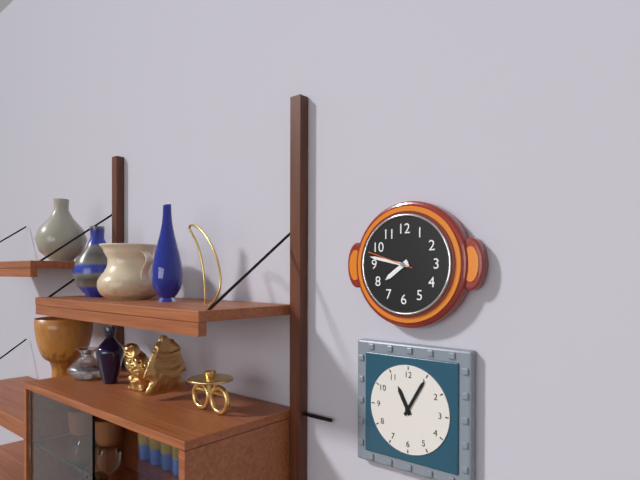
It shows {"hour": 7, "minute": 47}
